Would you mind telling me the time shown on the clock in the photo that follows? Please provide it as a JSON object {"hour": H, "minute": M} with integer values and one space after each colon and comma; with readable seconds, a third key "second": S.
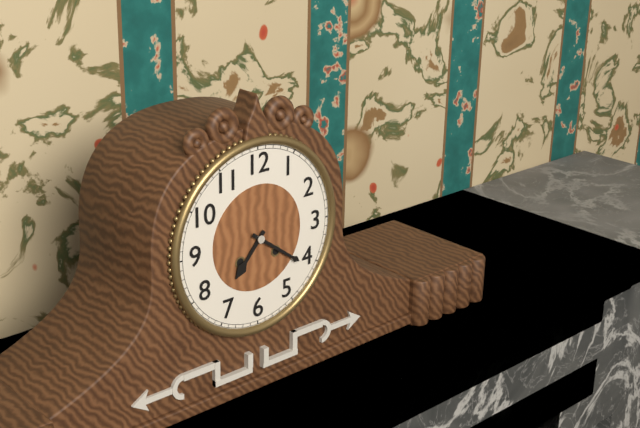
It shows {"hour": 7, "minute": 21}
